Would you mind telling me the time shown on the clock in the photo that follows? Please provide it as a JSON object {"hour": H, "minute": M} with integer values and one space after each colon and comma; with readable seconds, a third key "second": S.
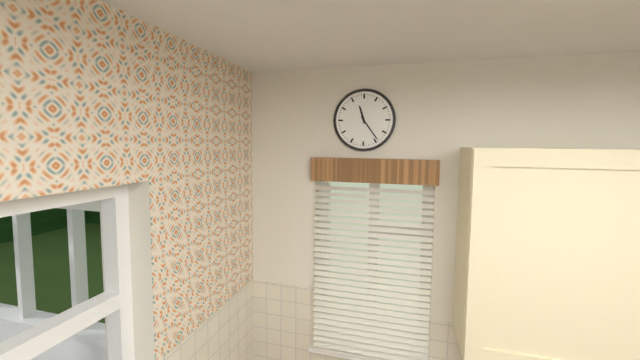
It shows {"hour": 11, "minute": 24}
